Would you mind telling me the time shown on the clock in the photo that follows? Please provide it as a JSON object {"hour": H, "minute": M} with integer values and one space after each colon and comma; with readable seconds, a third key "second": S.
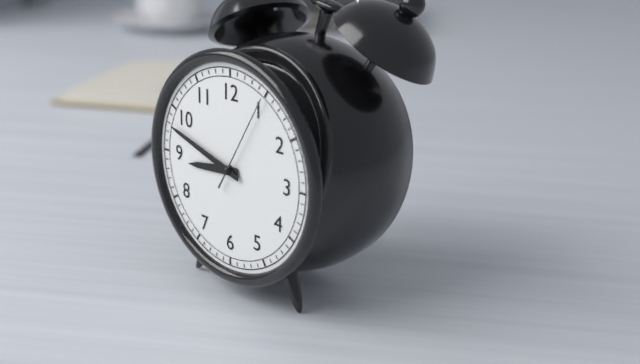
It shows {"hour": 8, "minute": 48, "second": 5}
